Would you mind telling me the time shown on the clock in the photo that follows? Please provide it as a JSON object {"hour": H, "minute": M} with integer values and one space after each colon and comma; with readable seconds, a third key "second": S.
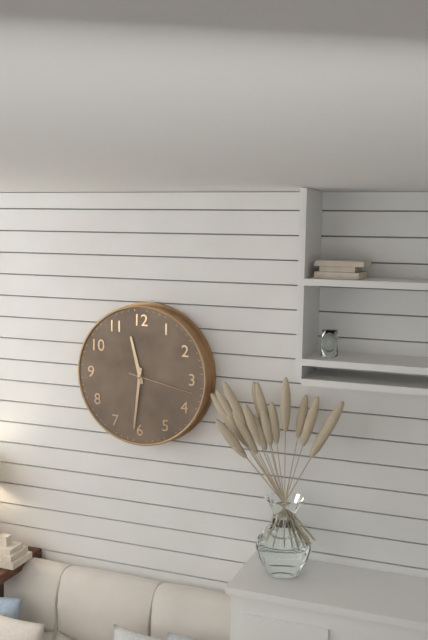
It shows {"hour": 11, "minute": 31, "second": 17}
